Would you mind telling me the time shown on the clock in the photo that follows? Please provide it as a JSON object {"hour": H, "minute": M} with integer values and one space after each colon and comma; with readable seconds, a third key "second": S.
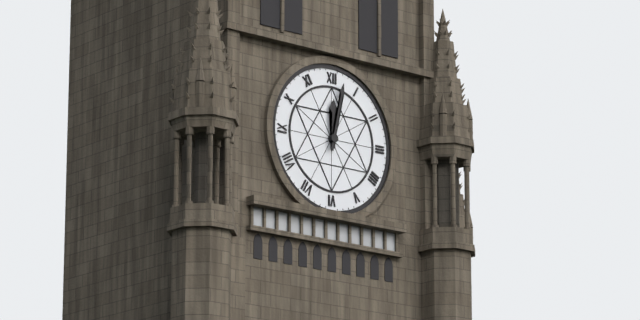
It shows {"hour": 12, "minute": 2}
